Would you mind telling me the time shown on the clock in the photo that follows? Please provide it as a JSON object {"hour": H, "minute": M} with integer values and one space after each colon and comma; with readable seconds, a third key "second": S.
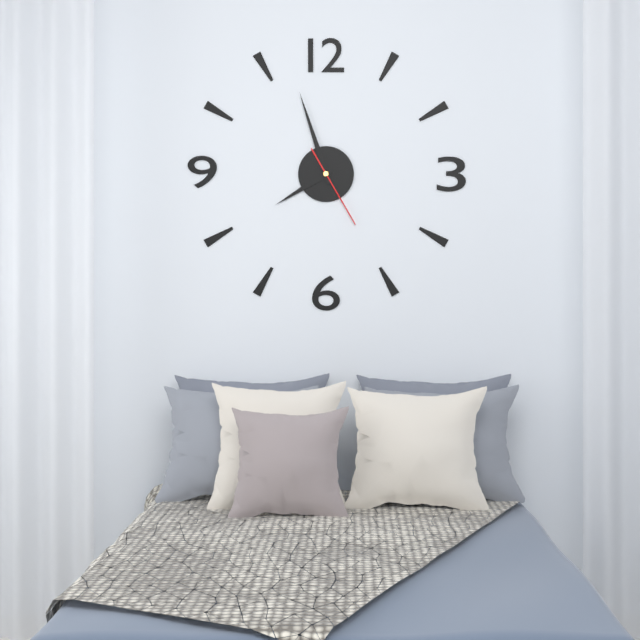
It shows {"hour": 7, "minute": 57, "second": 25}
